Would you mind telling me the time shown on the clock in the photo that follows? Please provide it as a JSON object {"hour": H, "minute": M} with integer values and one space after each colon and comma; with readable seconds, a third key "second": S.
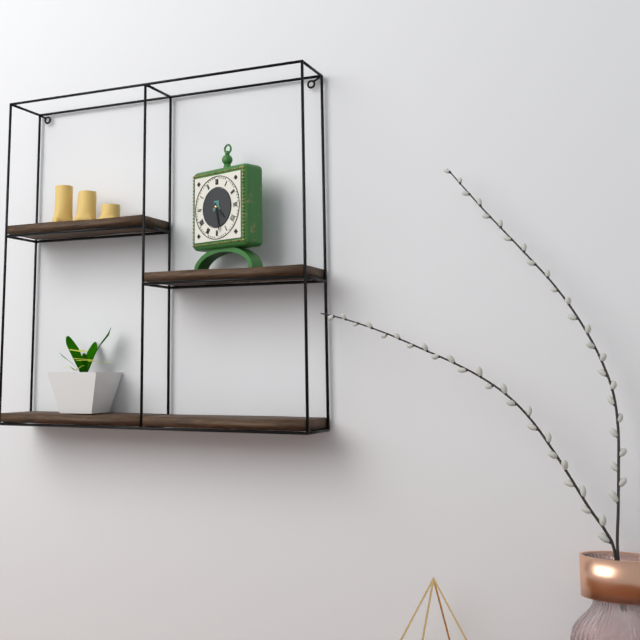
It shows {"hour": 4, "minute": 28}
